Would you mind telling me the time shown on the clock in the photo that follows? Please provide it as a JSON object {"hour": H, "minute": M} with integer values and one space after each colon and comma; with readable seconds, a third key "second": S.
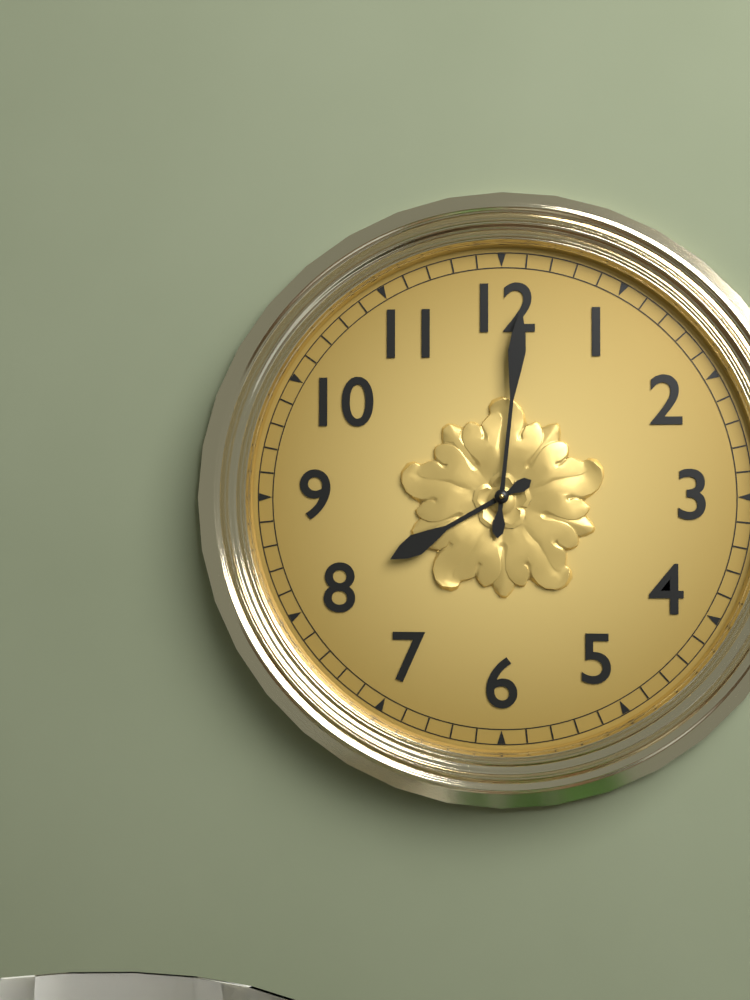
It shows {"hour": 8, "minute": 1}
